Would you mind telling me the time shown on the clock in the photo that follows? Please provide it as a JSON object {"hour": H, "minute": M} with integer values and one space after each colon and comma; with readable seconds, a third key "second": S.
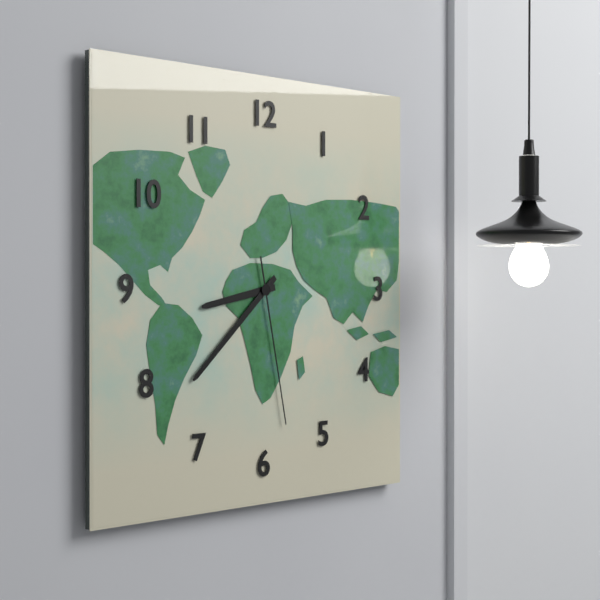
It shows {"hour": 8, "minute": 38, "second": 28}
